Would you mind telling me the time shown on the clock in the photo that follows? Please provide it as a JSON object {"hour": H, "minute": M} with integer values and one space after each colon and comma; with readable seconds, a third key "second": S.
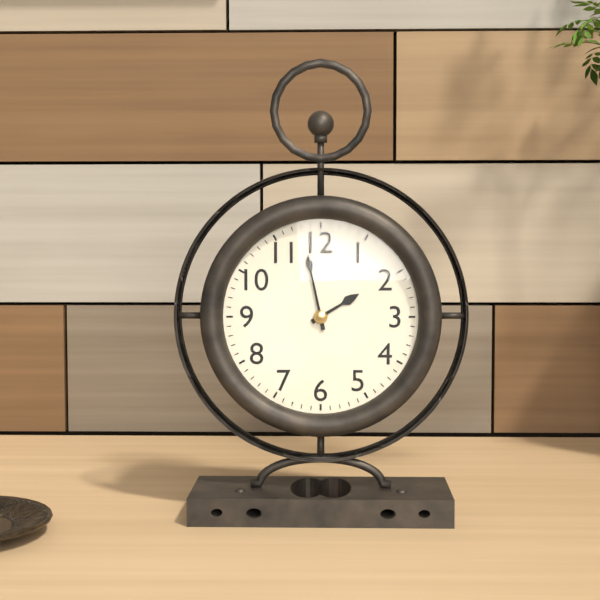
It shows {"hour": 1, "minute": 58}
